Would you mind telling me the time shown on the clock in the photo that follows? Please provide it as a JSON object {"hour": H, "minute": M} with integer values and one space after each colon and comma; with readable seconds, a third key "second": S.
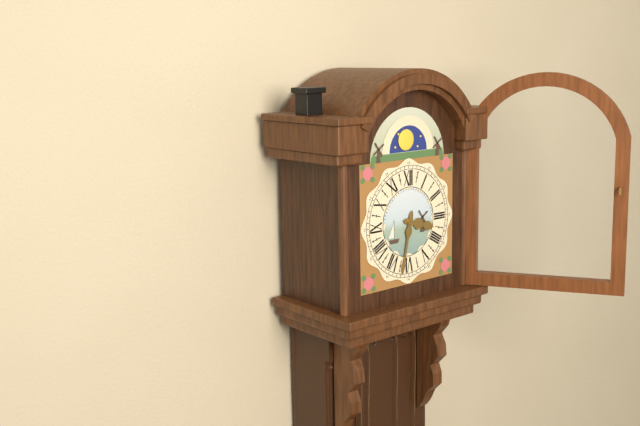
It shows {"hour": 3, "minute": 32}
